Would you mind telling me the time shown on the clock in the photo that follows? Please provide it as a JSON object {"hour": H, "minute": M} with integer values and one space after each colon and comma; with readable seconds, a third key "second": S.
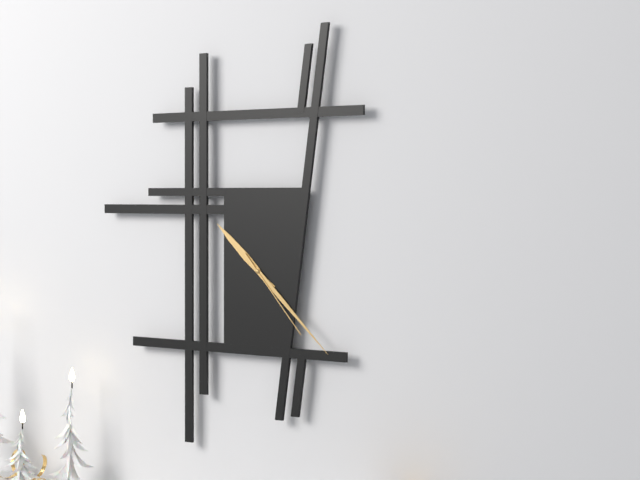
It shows {"hour": 10, "minute": 22, "second": 23}
